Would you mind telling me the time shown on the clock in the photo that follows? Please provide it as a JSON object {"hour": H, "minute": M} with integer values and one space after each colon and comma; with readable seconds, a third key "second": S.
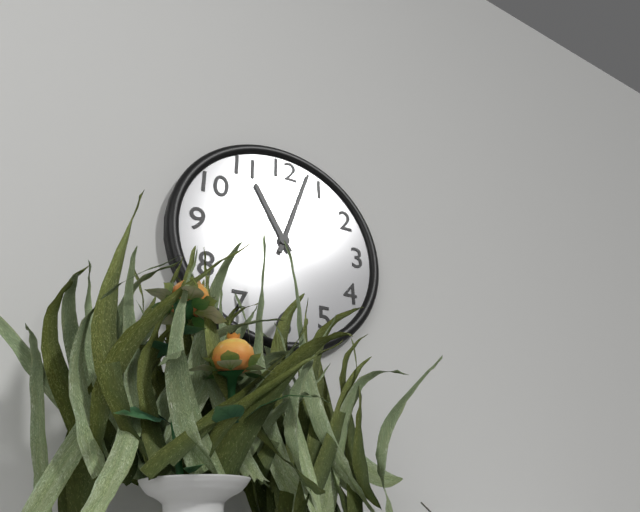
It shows {"hour": 11, "minute": 3}
